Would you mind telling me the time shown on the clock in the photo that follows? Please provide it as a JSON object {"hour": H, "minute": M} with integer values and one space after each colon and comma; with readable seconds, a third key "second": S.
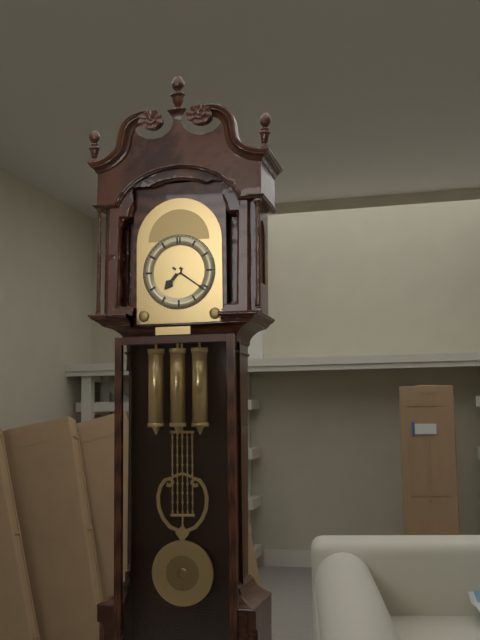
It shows {"hour": 7, "minute": 21}
